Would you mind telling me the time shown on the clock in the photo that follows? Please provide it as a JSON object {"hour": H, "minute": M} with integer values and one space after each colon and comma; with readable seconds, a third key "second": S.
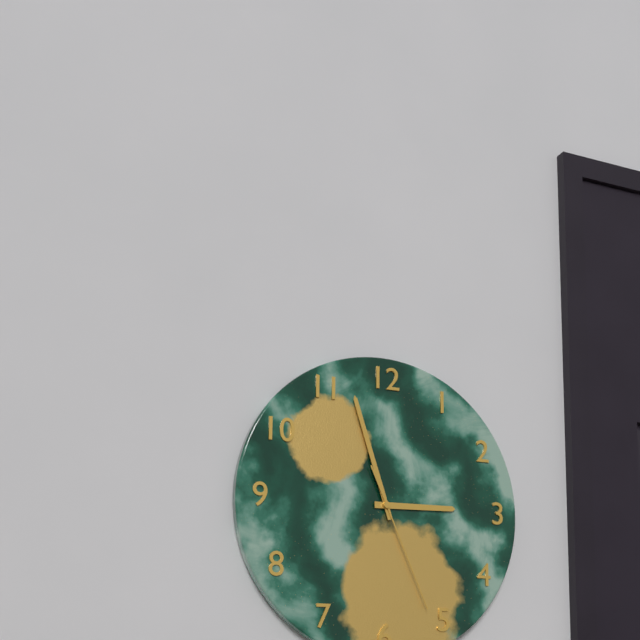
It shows {"hour": 2, "minute": 57, "second": 26}
